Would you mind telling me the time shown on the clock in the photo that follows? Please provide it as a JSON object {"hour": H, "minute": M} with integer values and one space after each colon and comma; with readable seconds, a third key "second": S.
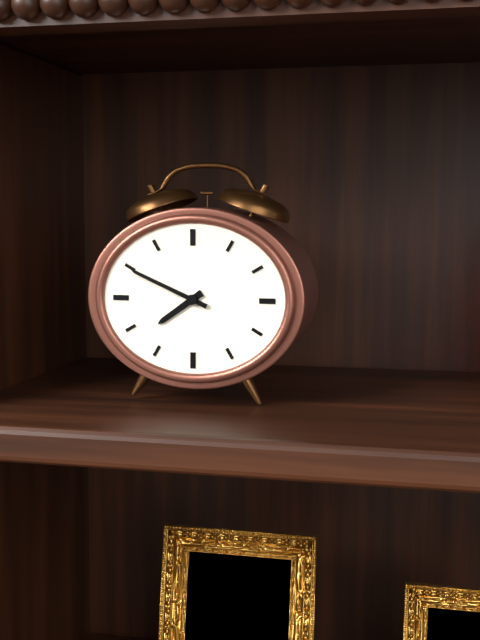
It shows {"hour": 7, "minute": 49}
